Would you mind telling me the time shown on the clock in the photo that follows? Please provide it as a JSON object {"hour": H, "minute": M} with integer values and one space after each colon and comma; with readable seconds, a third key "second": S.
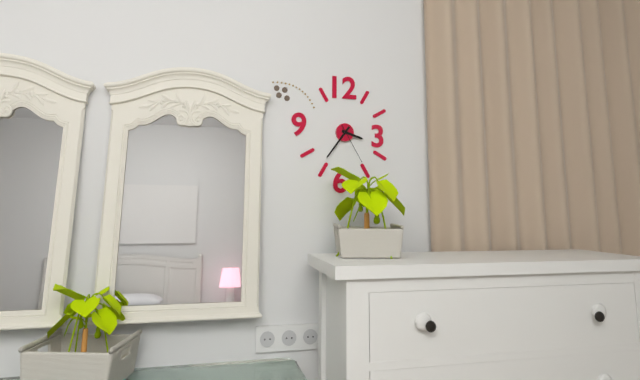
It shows {"hour": 3, "minute": 36}
